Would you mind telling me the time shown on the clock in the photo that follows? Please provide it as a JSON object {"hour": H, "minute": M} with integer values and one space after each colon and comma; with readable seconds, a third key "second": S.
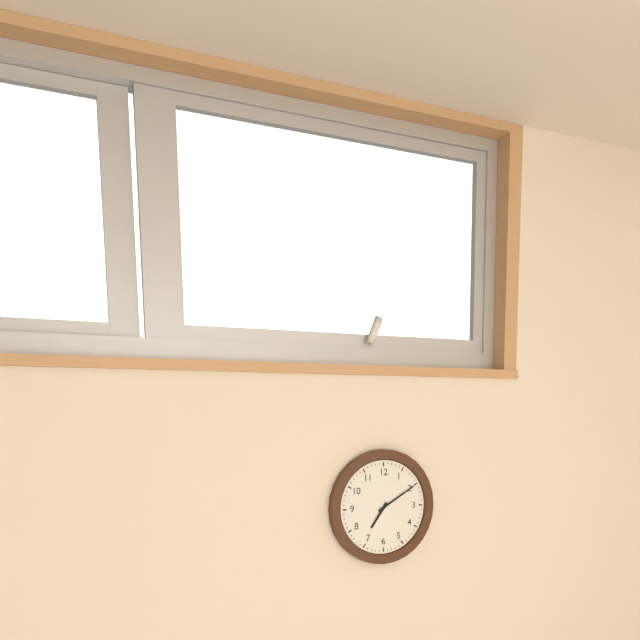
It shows {"hour": 7, "minute": 10}
